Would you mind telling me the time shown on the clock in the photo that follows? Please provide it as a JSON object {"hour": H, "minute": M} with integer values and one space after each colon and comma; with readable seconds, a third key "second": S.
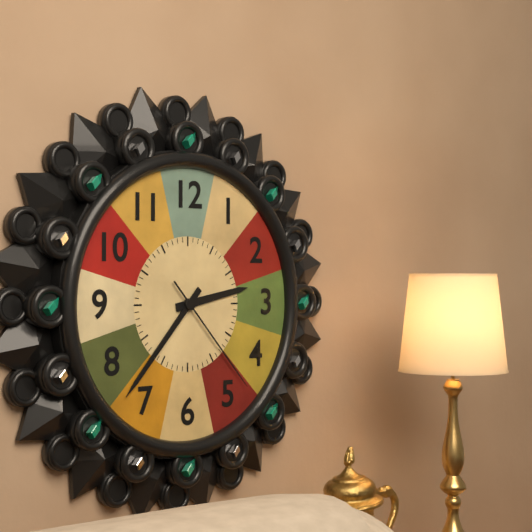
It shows {"hour": 2, "minute": 37, "second": 23}
